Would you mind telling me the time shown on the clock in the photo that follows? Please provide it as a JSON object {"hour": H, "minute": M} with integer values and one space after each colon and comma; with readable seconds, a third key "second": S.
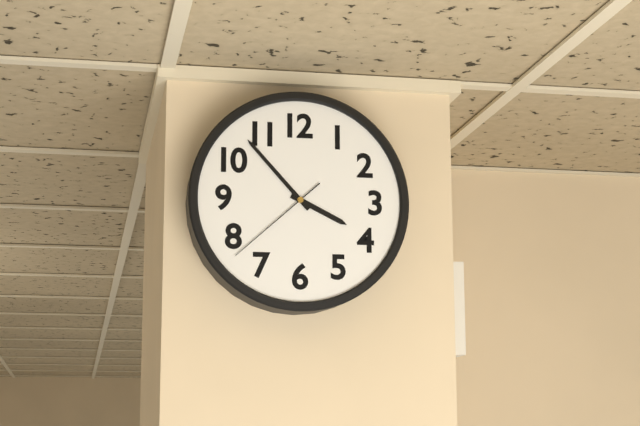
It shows {"hour": 3, "minute": 53, "second": 38}
